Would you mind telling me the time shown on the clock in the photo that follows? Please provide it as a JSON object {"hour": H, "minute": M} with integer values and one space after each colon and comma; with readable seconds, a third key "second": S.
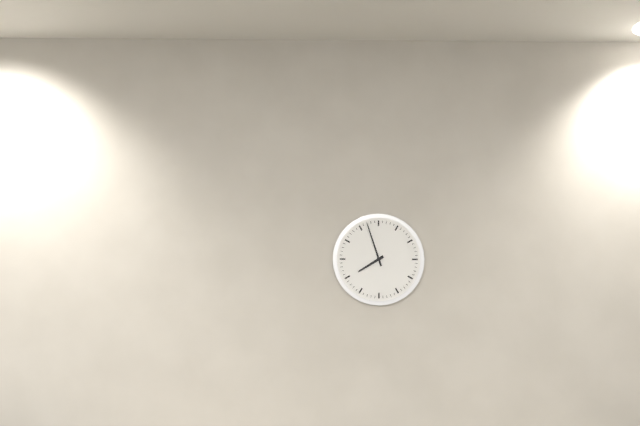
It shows {"hour": 7, "minute": 57}
